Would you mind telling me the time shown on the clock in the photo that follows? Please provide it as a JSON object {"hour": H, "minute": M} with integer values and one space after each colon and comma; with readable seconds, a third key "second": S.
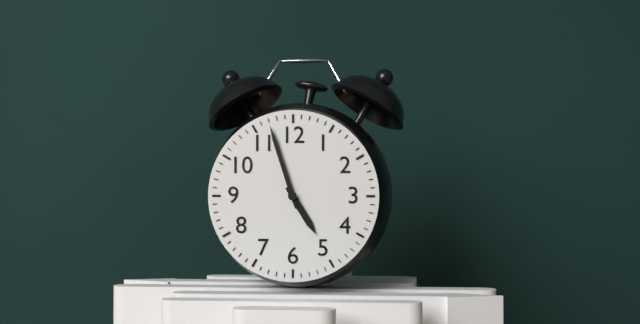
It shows {"hour": 4, "minute": 57}
